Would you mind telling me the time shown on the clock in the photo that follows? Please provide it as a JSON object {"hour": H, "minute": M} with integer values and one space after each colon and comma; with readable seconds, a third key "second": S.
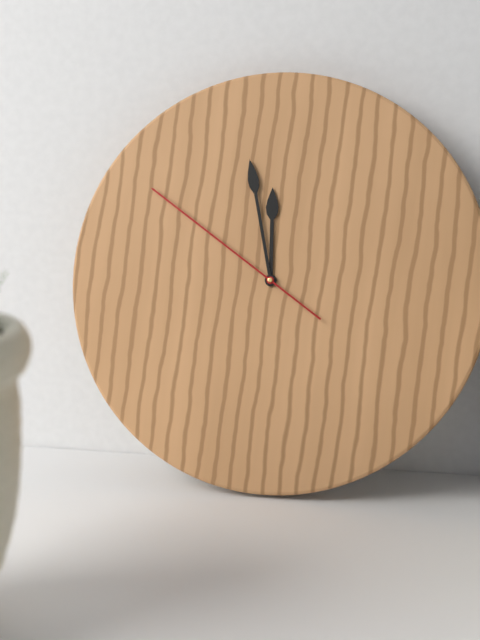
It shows {"hour": 11, "minute": 58, "second": 51}
